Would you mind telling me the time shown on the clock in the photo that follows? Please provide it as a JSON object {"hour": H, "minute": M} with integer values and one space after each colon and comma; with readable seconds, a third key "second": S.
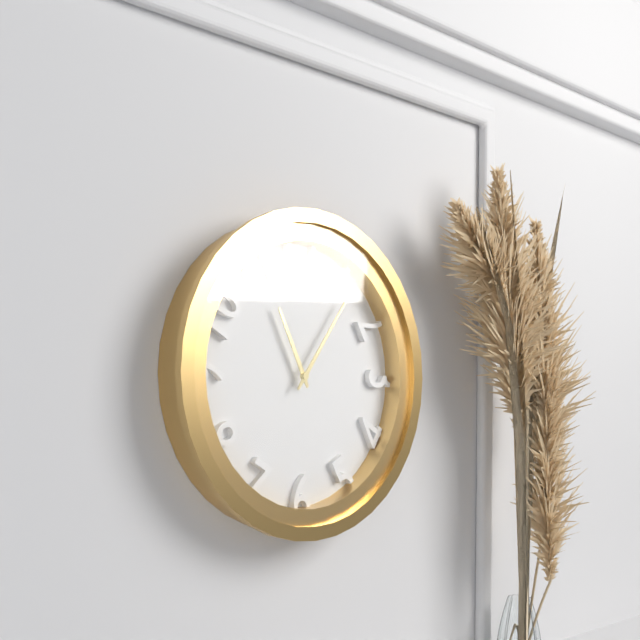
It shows {"hour": 11, "minute": 6}
